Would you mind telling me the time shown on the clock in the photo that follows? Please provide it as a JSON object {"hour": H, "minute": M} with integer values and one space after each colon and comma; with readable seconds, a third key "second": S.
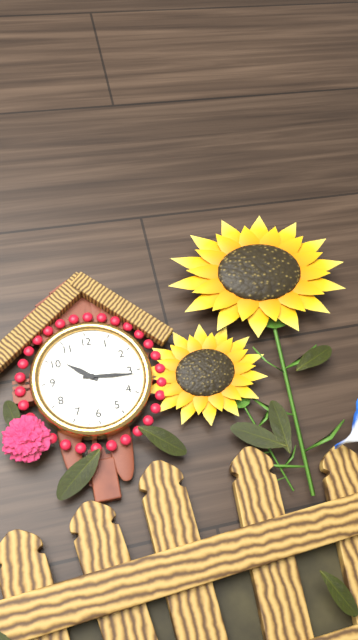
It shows {"hour": 10, "minute": 16}
